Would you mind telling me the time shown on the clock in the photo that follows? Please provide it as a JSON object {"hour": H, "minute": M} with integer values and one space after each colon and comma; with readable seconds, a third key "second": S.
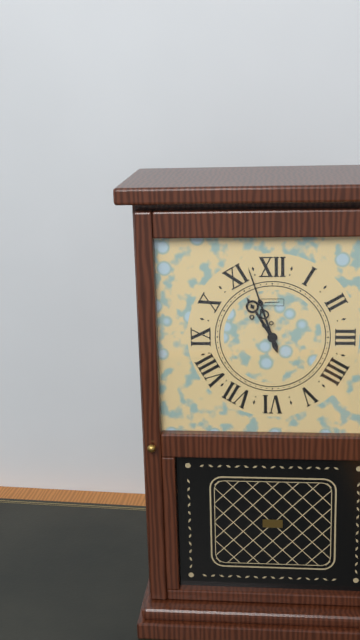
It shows {"hour": 10, "minute": 57}
